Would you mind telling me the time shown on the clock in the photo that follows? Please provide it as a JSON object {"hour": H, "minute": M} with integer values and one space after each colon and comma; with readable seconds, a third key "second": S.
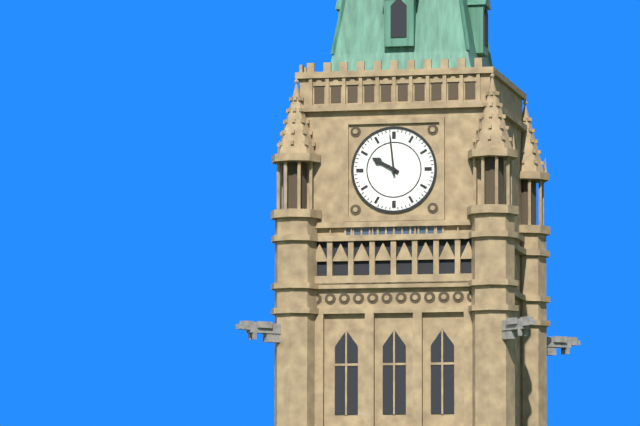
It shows {"hour": 9, "minute": 59}
